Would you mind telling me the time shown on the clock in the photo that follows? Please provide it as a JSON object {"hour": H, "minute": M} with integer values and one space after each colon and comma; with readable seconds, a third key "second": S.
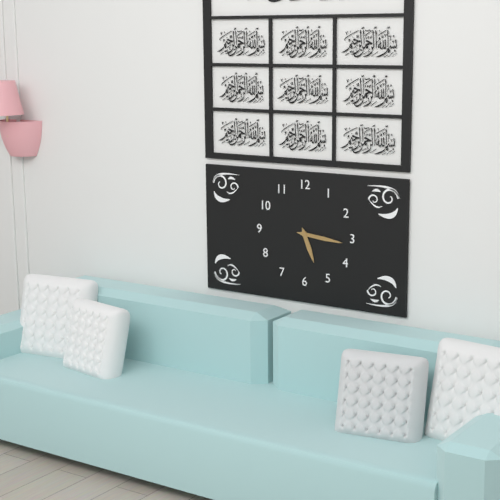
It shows {"hour": 5, "minute": 16}
